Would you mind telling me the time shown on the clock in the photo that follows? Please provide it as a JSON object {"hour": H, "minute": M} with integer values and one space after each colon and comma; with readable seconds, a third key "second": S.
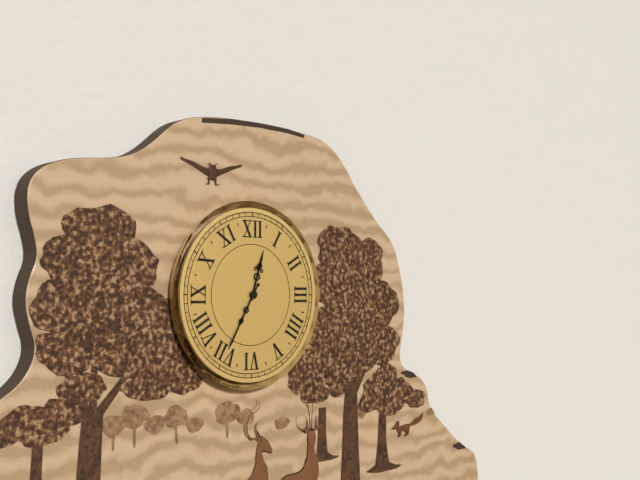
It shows {"hour": 12, "minute": 35, "second": 35}
